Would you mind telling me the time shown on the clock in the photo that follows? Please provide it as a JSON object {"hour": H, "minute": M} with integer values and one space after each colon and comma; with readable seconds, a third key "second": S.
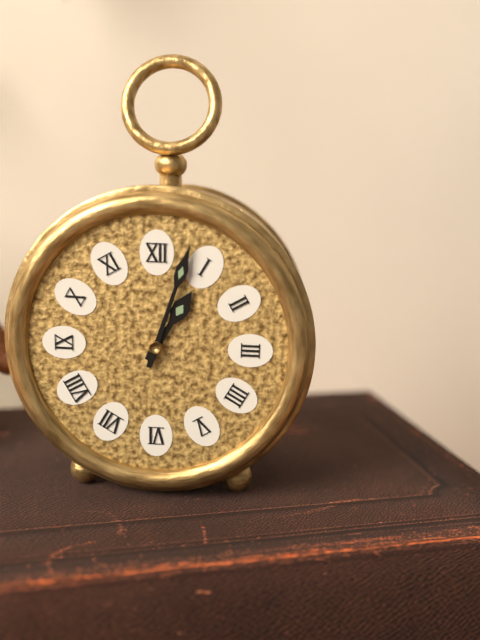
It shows {"hour": 1, "minute": 3}
